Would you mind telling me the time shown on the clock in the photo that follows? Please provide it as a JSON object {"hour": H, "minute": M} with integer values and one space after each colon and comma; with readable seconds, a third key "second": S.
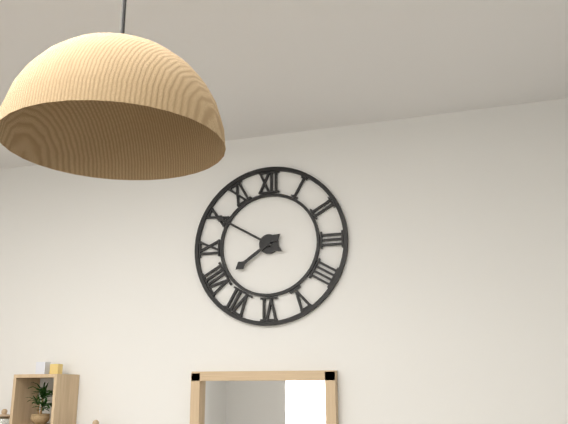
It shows {"hour": 7, "minute": 50}
